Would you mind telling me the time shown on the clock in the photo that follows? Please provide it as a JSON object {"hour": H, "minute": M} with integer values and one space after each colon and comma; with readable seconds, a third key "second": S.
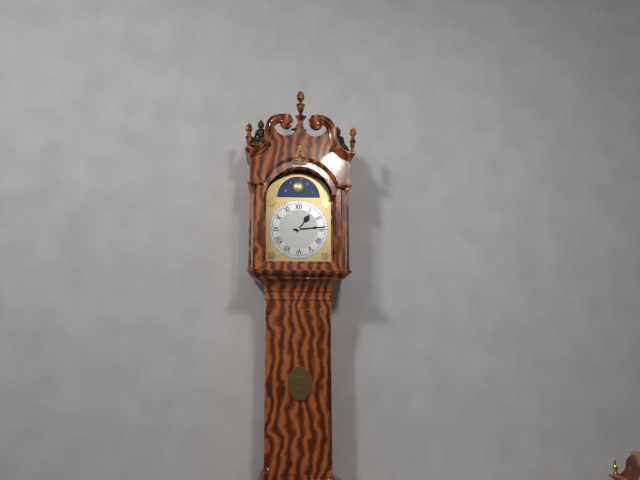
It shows {"hour": 1, "minute": 14}
